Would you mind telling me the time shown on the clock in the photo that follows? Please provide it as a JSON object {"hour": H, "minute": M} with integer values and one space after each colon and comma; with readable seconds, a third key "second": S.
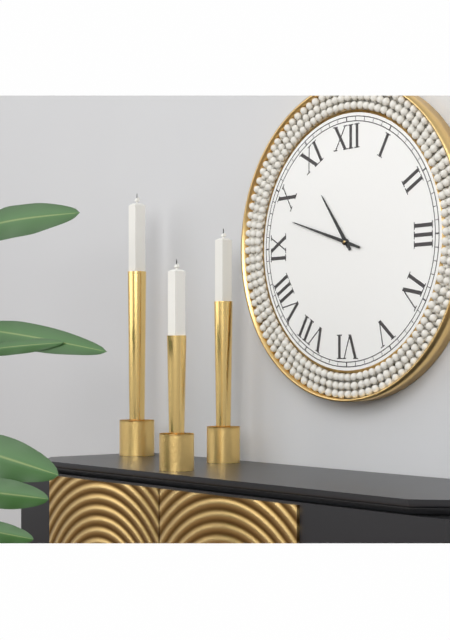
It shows {"hour": 10, "minute": 48}
